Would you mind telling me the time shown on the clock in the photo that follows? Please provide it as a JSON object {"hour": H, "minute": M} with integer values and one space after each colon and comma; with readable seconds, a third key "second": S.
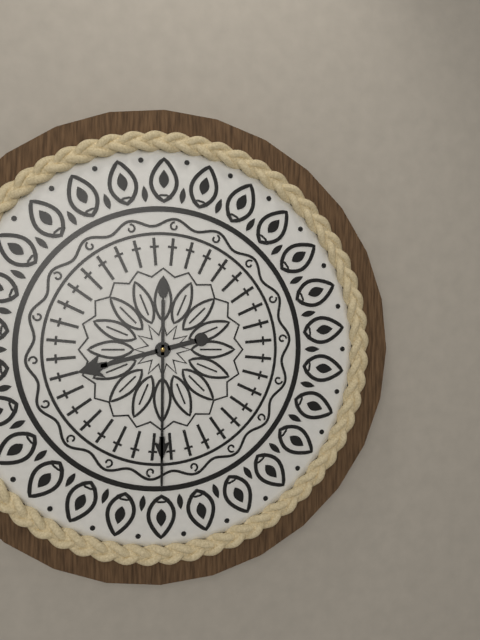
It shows {"hour": 8, "minute": 30}
